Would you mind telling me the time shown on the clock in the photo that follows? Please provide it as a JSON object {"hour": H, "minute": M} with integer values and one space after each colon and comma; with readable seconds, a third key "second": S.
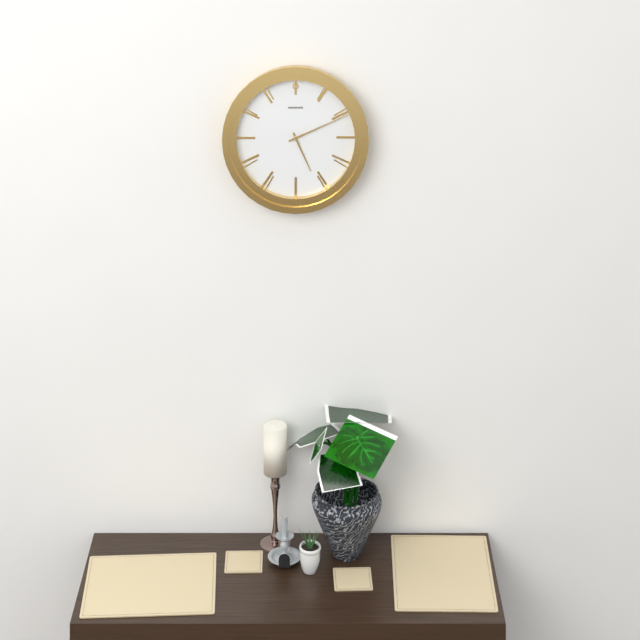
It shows {"hour": 5, "minute": 11}
